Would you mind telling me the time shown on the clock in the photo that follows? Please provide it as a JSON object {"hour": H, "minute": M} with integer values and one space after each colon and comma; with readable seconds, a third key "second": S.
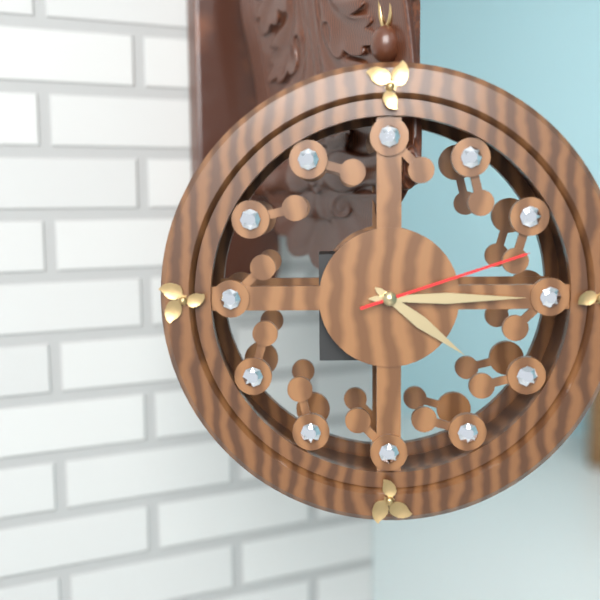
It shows {"hour": 4, "minute": 15, "second": 12}
